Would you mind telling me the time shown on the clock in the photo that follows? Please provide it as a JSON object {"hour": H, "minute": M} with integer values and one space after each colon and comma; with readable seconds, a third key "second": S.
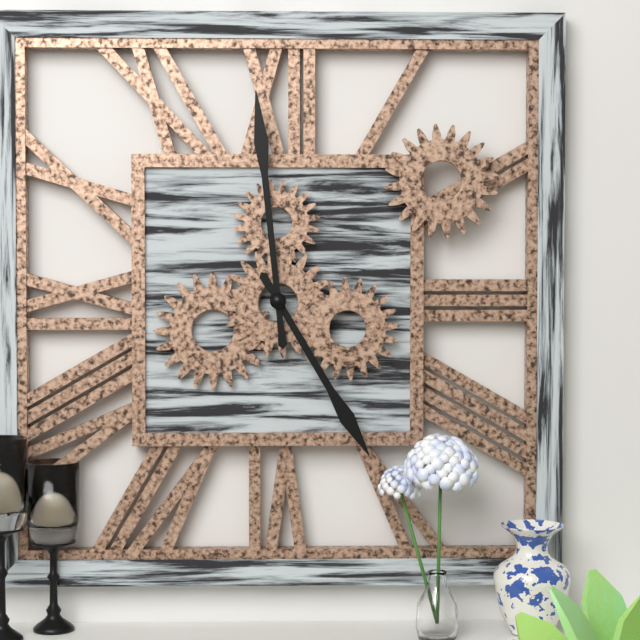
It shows {"hour": 4, "minute": 59}
